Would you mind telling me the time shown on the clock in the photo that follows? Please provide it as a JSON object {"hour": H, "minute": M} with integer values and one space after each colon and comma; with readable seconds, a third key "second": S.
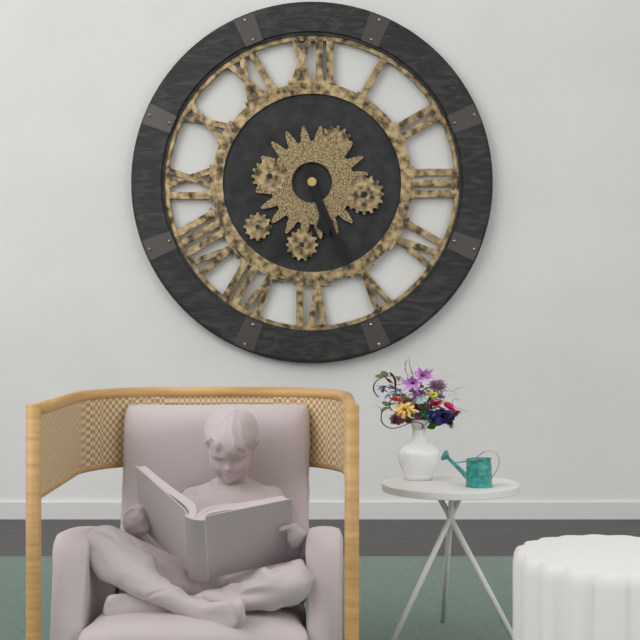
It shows {"hour": 5, "minute": 26}
